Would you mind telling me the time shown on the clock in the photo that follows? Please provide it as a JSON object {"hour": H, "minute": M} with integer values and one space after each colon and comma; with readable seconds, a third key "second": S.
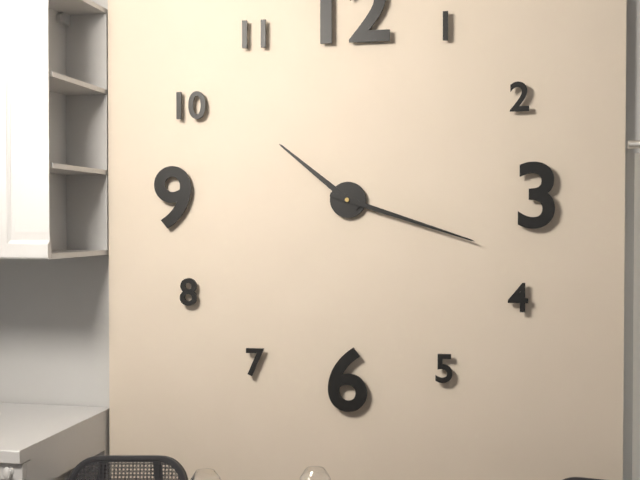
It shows {"hour": 10, "minute": 18}
